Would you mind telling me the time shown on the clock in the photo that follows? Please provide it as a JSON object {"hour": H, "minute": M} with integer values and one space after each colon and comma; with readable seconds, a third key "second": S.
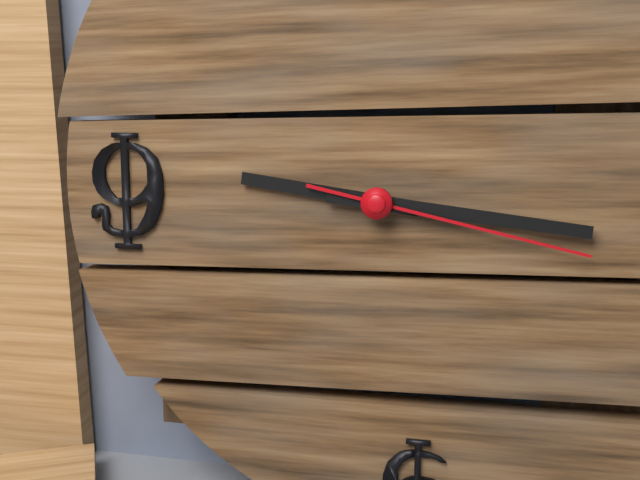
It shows {"hour": 9, "minute": 16, "second": 17}
